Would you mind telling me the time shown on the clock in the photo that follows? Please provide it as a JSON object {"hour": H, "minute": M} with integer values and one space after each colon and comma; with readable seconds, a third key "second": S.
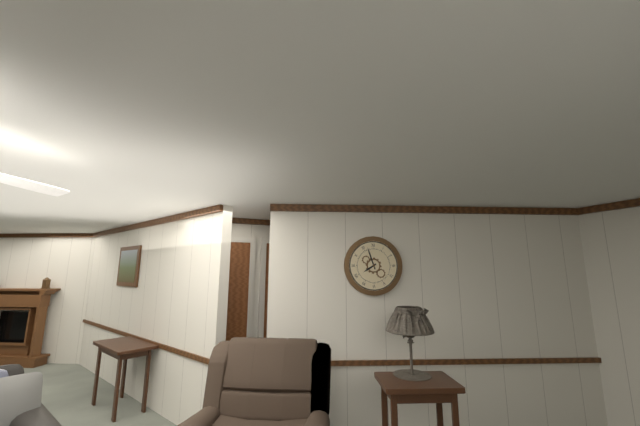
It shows {"hour": 7, "minute": 57}
